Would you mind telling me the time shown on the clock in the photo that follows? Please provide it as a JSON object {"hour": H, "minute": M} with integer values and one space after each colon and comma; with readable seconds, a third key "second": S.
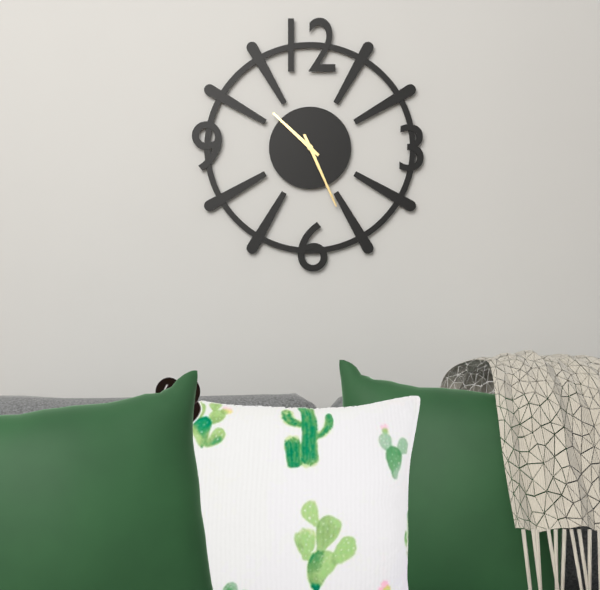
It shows {"hour": 10, "minute": 26}
